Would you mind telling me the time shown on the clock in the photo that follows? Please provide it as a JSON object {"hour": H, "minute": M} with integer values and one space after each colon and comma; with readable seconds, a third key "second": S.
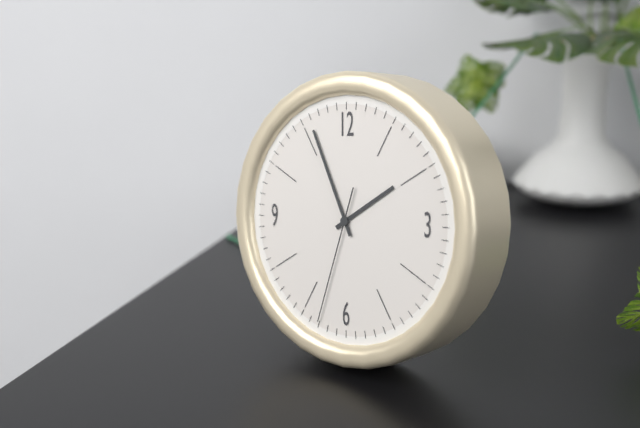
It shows {"hour": 1, "minute": 56, "second": 33}
